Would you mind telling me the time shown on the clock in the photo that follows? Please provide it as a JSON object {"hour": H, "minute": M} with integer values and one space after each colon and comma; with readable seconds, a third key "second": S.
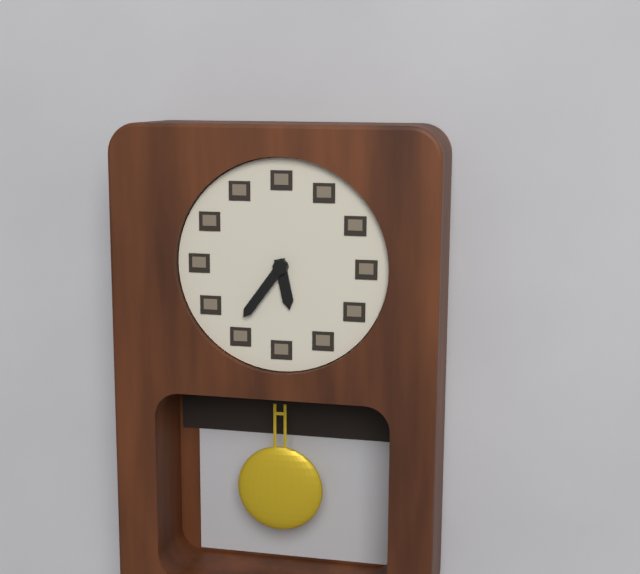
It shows {"hour": 5, "minute": 36}
